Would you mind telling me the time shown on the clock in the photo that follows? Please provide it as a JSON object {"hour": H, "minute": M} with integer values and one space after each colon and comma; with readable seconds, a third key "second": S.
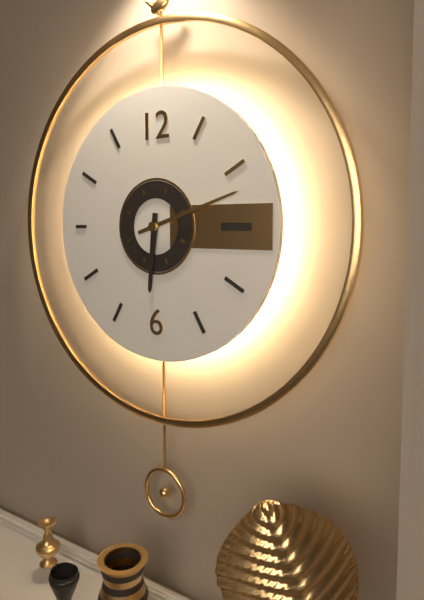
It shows {"hour": 6, "minute": 12}
